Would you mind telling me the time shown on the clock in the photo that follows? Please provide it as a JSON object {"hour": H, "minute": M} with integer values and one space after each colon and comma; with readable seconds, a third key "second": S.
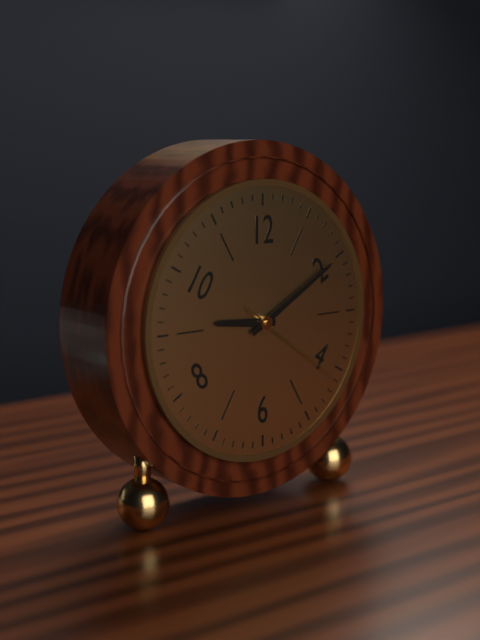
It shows {"hour": 9, "minute": 10, "second": 21}
